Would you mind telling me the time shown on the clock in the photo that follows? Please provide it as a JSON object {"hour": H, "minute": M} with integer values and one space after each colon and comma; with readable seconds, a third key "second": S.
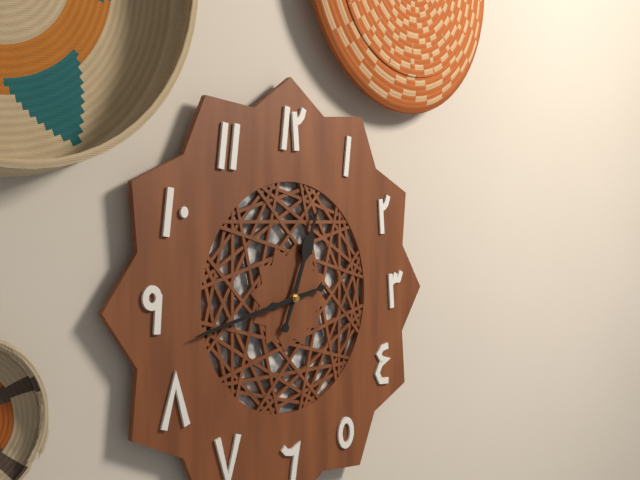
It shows {"hour": 12, "minute": 43}
